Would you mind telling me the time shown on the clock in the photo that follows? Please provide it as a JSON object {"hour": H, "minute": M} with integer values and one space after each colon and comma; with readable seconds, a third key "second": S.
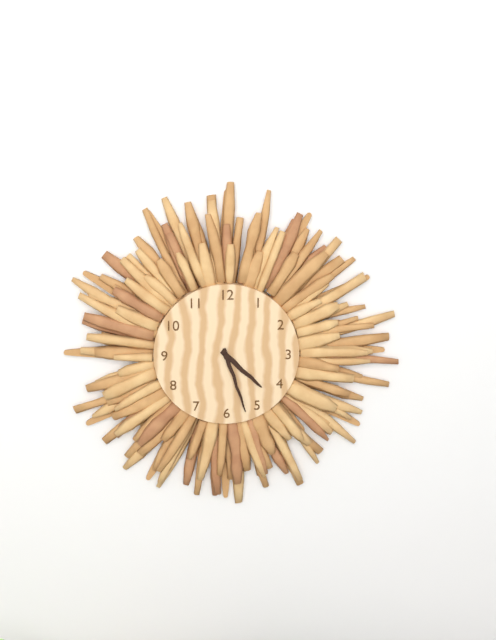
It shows {"hour": 4, "minute": 27}
